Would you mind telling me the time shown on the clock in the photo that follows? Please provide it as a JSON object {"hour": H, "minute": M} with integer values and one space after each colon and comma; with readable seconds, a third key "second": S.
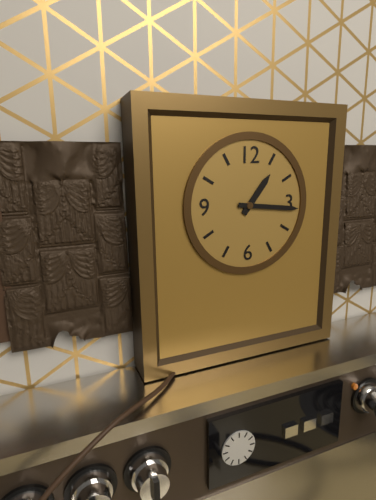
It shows {"hour": 1, "minute": 16}
